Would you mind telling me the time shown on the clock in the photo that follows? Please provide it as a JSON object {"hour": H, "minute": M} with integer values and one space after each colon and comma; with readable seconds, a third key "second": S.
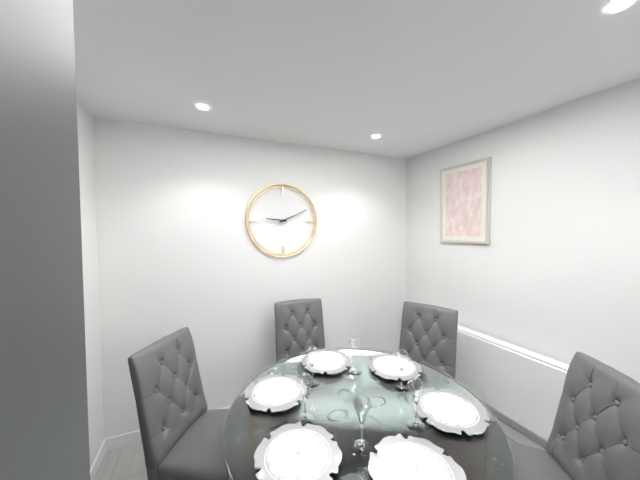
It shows {"hour": 9, "minute": 11}
